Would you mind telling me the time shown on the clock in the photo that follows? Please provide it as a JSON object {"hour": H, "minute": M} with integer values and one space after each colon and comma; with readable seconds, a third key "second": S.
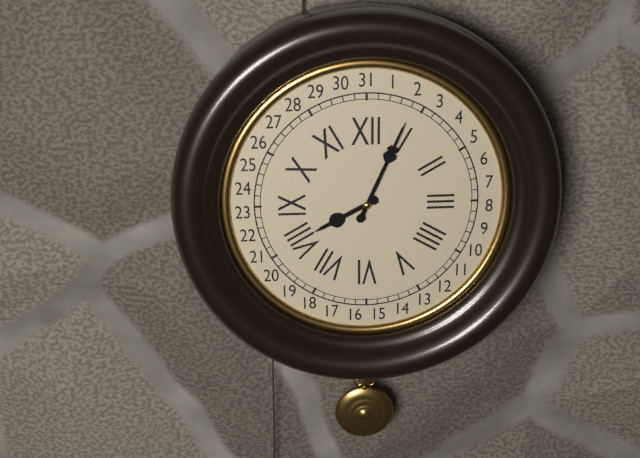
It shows {"hour": 8, "minute": 4}
